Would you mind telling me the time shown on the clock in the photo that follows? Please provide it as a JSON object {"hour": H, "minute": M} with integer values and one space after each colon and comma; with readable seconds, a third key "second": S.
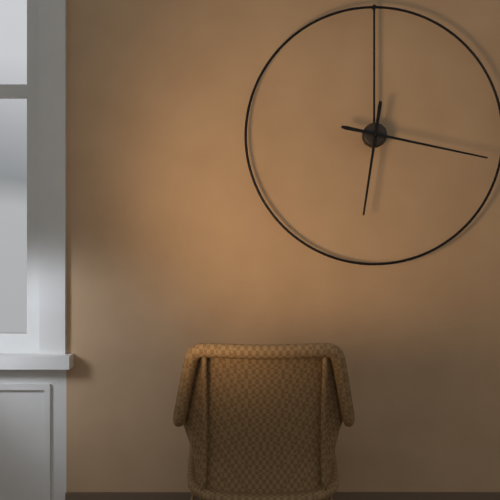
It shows {"hour": 6, "minute": 17}
